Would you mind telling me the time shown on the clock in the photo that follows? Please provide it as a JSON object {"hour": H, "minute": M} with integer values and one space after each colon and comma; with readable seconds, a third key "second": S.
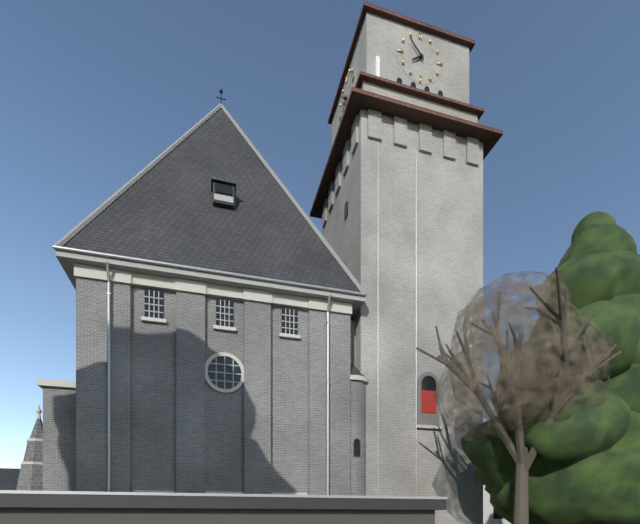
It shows {"hour": 7, "minute": 53}
